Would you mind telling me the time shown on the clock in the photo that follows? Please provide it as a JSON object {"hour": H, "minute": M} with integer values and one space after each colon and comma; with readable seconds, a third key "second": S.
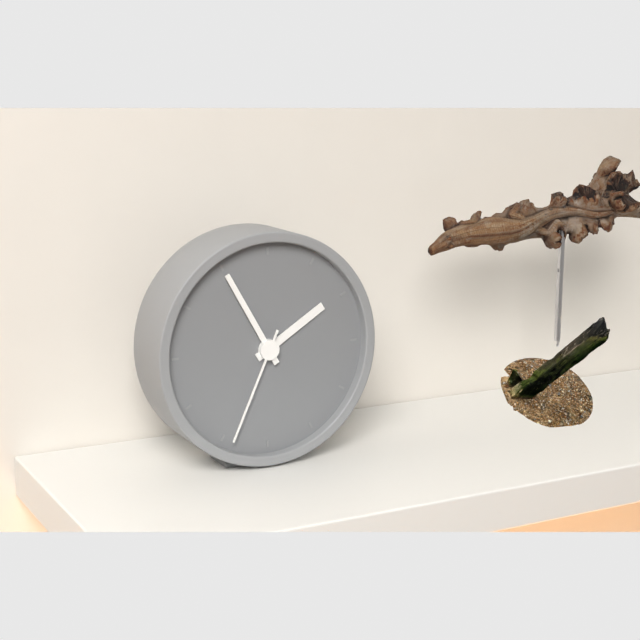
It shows {"hour": 1, "minute": 55, "second": 34}
